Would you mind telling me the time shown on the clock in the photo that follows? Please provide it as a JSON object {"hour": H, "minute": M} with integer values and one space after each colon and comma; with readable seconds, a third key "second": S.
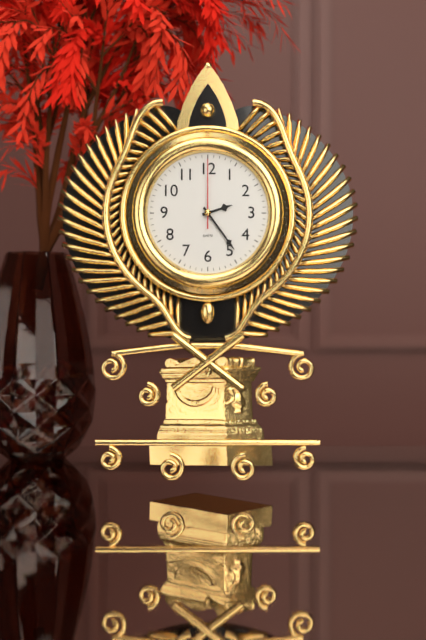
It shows {"hour": 2, "minute": 24, "second": 0}
